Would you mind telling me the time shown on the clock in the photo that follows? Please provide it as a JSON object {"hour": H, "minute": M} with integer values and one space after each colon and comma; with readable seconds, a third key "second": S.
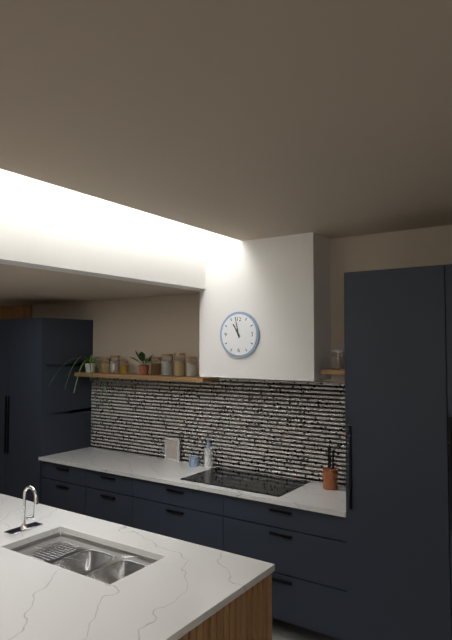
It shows {"hour": 10, "minute": 58}
